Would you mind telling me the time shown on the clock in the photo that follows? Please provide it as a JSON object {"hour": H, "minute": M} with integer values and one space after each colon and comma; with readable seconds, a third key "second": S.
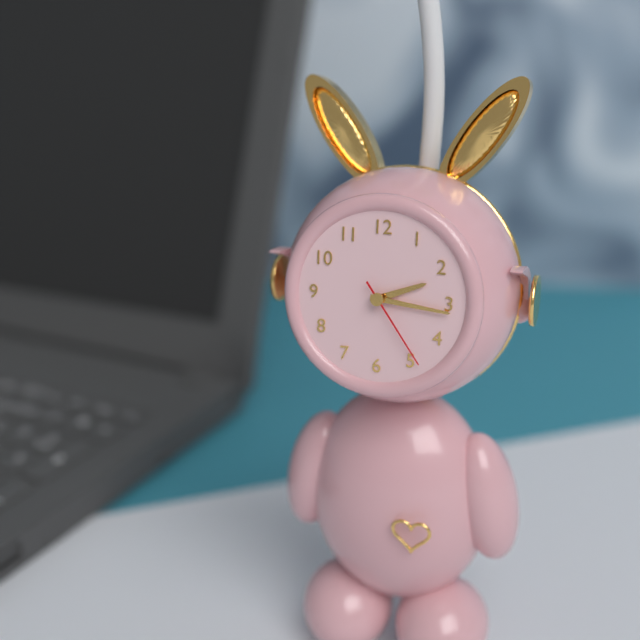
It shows {"hour": 2, "minute": 16, "second": 24}
